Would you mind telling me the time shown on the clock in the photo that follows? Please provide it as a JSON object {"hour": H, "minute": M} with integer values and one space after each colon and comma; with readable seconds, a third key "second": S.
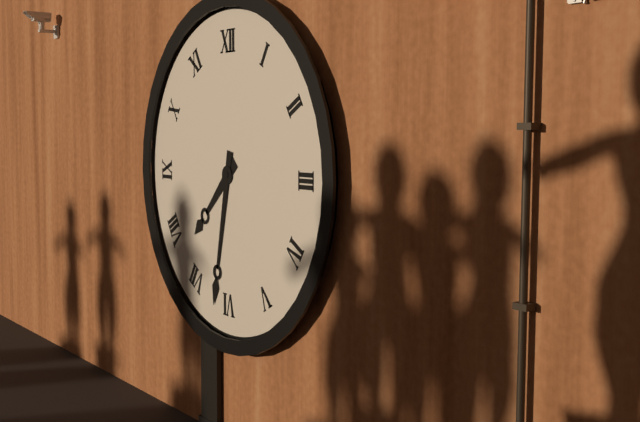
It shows {"hour": 7, "minute": 32}
